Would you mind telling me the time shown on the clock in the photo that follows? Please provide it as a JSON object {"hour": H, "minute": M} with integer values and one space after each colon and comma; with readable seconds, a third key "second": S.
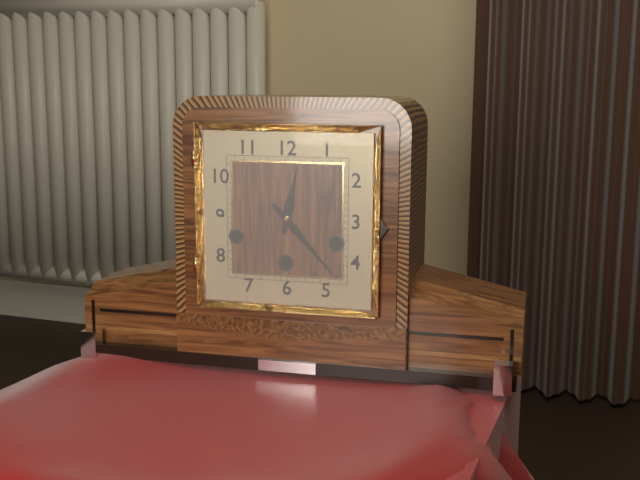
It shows {"hour": 12, "minute": 23}
